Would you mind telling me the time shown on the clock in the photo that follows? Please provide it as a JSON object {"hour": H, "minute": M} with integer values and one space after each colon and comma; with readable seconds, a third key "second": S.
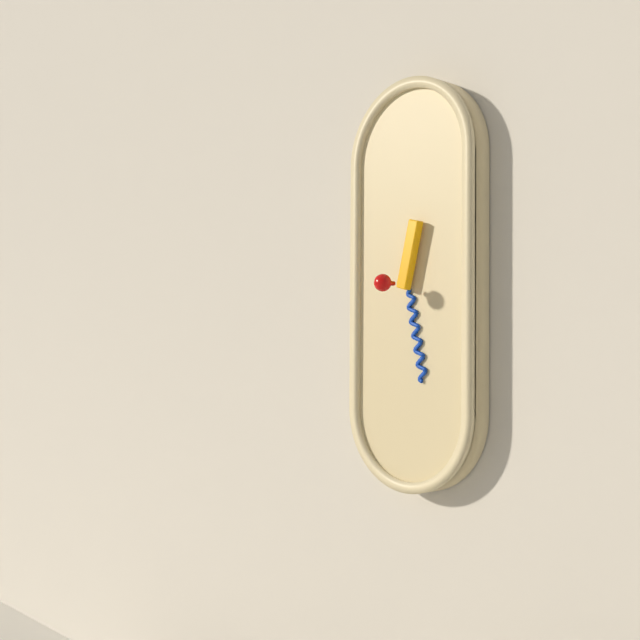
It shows {"hour": 12, "minute": 28}
